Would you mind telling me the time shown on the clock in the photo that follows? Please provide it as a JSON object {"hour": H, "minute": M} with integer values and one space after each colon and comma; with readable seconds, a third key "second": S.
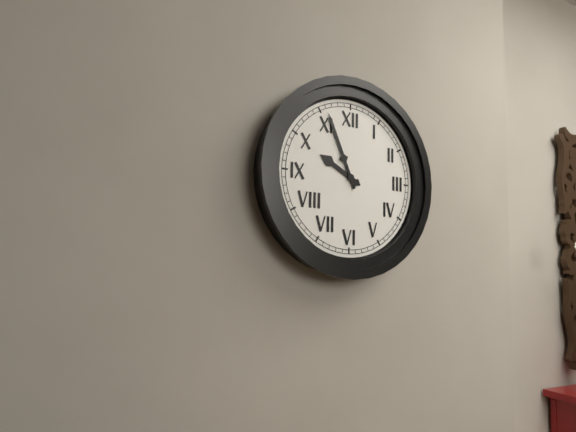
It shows {"hour": 9, "minute": 56}
